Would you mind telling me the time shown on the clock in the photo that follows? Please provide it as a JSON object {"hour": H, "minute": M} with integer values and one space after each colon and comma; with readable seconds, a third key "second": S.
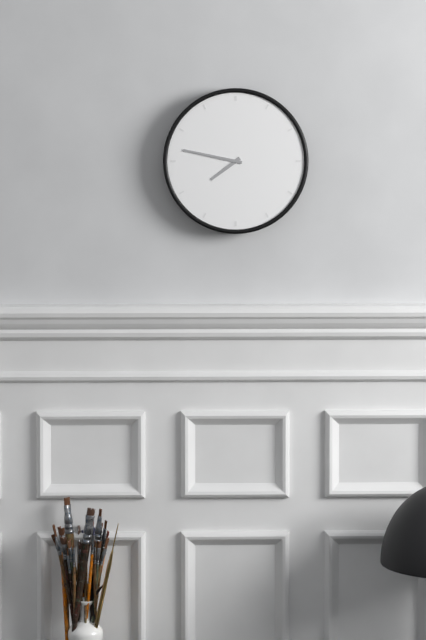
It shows {"hour": 7, "minute": 47}
